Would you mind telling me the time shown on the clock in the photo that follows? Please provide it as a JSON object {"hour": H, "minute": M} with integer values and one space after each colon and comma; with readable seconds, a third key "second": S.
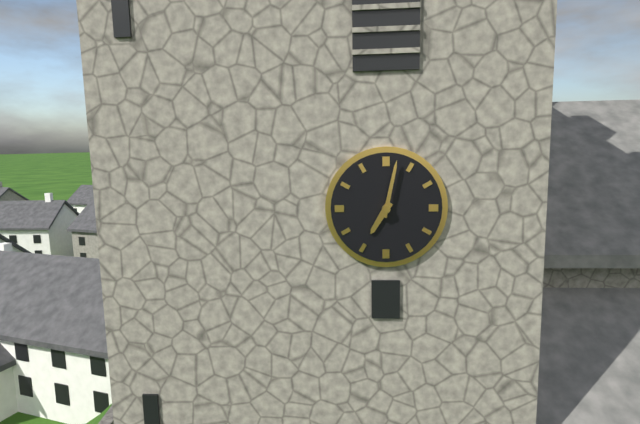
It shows {"hour": 7, "minute": 2}
